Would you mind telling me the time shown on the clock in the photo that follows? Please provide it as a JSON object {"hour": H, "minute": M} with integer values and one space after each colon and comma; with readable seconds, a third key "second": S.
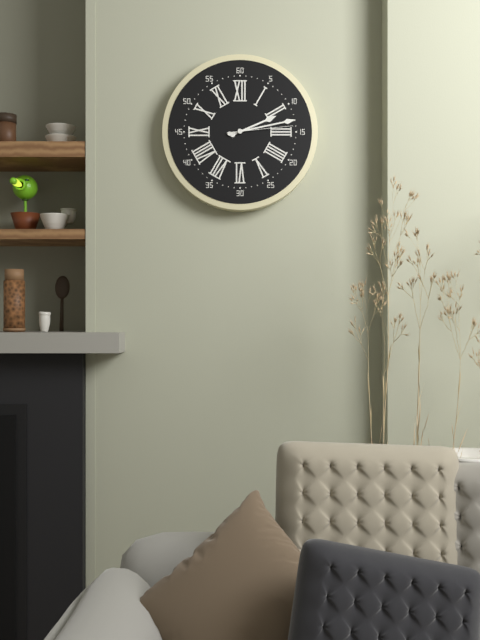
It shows {"hour": 2, "minute": 13, "second": 14}
